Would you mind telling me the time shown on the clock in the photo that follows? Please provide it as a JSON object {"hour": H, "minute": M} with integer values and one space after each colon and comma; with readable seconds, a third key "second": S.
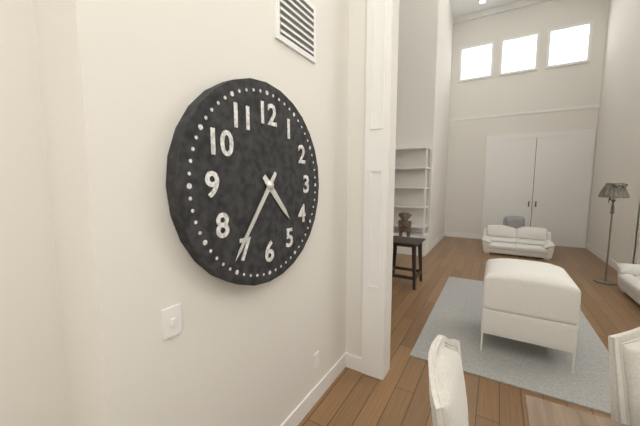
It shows {"hour": 4, "minute": 36}
